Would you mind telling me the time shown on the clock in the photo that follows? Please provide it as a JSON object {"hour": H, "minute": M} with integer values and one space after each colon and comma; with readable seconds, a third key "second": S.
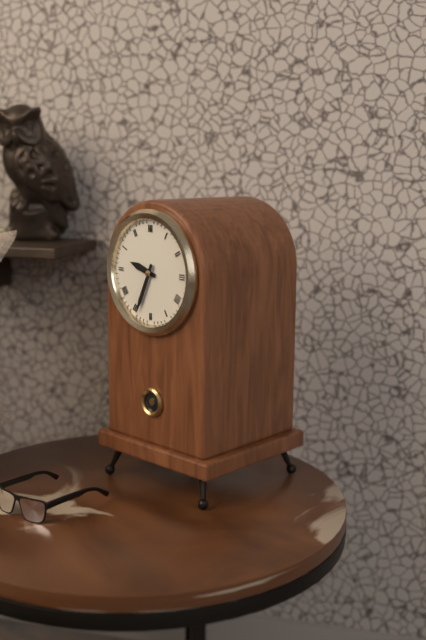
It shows {"hour": 9, "minute": 34}
